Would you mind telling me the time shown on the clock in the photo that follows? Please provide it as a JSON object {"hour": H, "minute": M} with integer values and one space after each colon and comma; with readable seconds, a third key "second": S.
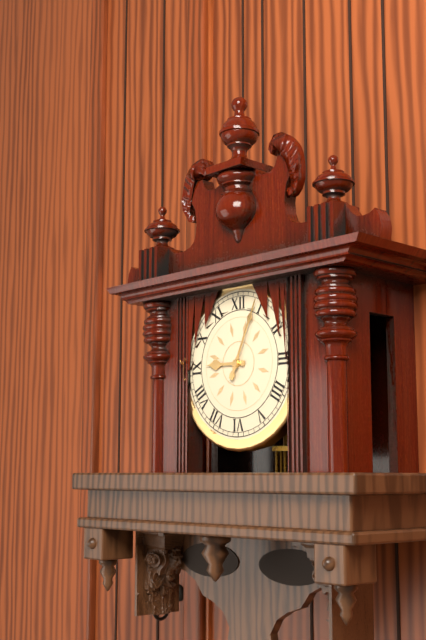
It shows {"hour": 9, "minute": 4}
